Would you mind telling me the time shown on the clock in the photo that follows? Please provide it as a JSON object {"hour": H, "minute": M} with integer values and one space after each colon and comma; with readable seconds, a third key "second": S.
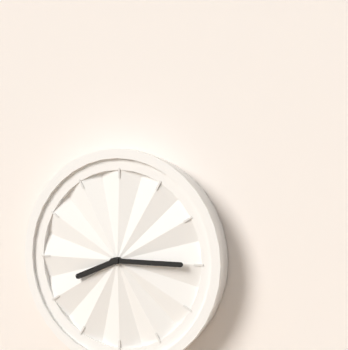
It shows {"hour": 8, "minute": 15}
